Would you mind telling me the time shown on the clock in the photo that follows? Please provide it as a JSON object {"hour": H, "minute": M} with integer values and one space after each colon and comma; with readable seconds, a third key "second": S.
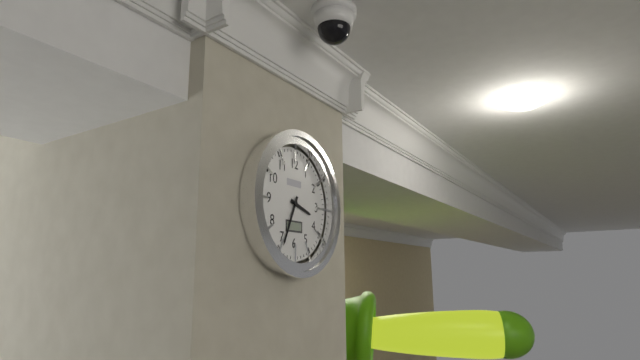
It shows {"hour": 3, "minute": 34}
